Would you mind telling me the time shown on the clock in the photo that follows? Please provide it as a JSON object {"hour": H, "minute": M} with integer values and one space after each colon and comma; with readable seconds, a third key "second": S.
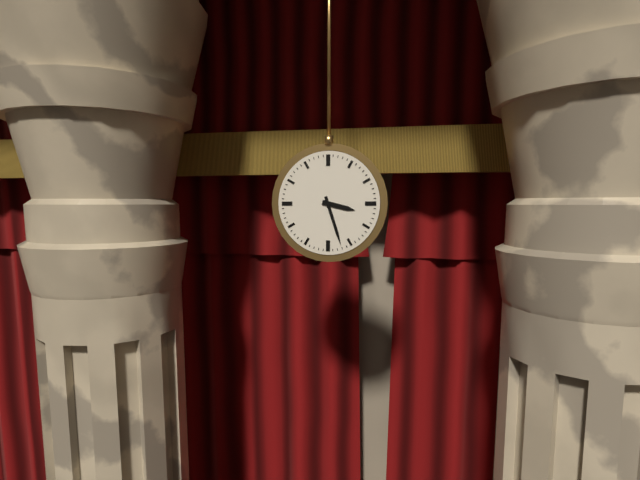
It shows {"hour": 3, "minute": 27}
